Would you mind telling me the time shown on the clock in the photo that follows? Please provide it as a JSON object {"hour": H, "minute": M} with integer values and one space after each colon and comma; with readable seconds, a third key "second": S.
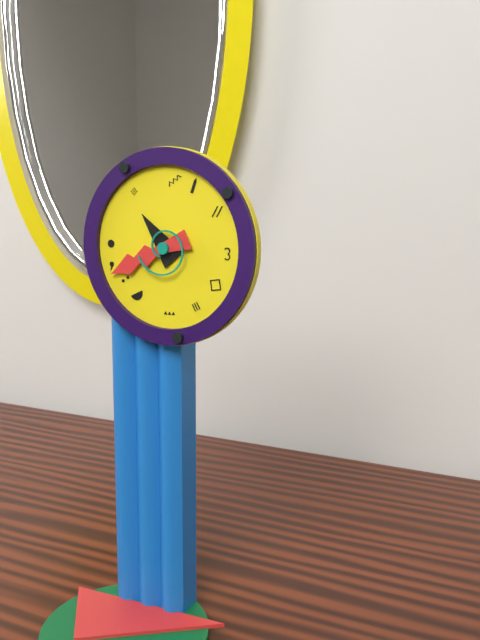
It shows {"hour": 10, "minute": 41}
